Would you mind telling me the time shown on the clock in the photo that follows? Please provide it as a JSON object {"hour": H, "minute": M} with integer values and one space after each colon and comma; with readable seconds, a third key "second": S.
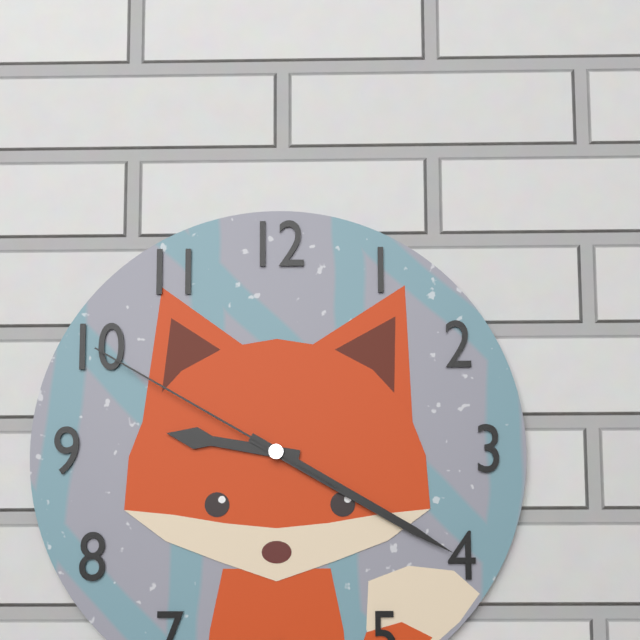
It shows {"hour": 9, "minute": 20, "second": 50}
